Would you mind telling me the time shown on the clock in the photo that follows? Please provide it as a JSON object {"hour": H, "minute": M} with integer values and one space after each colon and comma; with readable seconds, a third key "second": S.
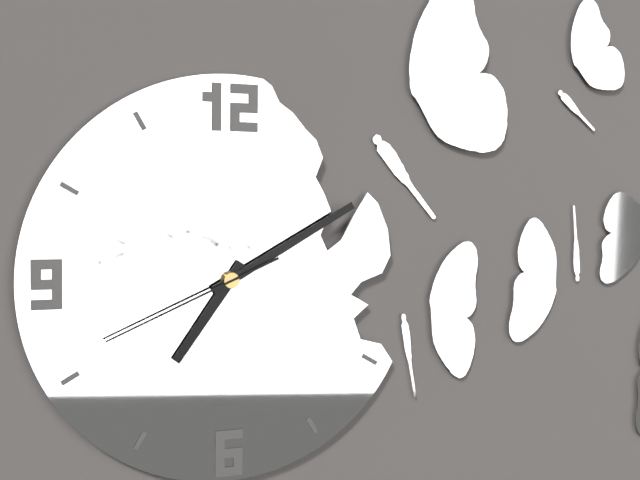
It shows {"hour": 7, "minute": 10, "second": 41}
